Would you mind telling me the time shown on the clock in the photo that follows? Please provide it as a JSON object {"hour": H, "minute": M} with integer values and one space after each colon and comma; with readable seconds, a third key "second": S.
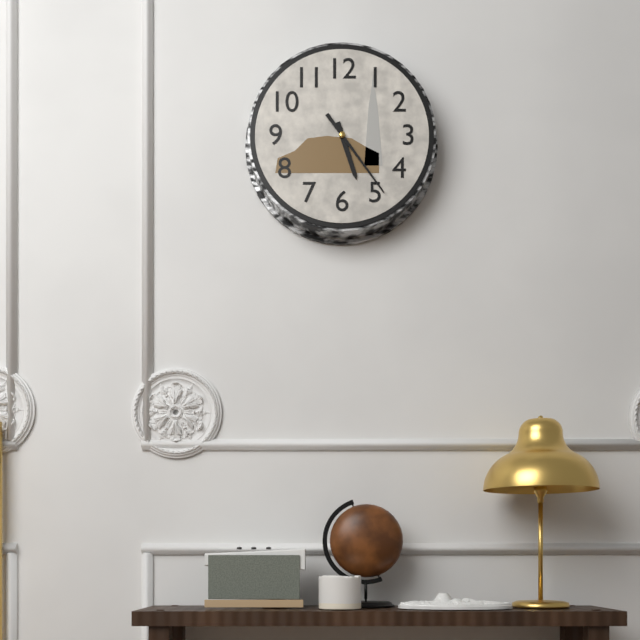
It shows {"hour": 5, "minute": 24}
